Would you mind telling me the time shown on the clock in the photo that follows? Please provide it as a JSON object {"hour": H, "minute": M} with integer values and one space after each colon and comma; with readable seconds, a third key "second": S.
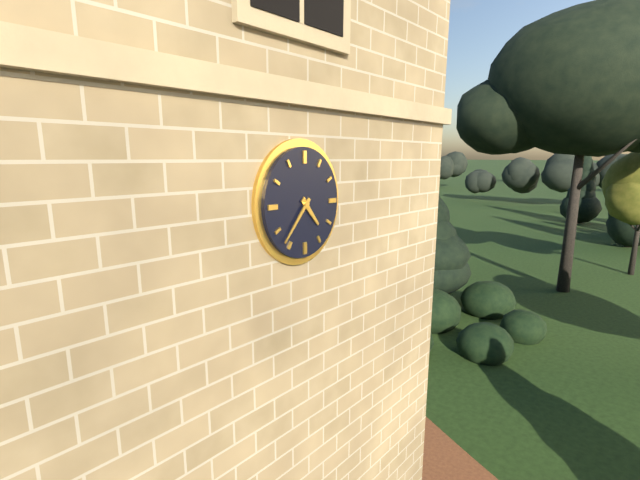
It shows {"hour": 4, "minute": 37}
